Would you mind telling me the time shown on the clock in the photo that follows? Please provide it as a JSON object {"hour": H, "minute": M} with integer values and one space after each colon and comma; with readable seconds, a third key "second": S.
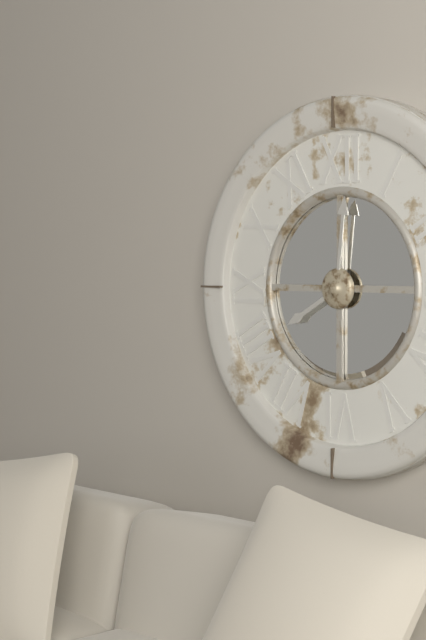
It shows {"hour": 8, "minute": 1}
